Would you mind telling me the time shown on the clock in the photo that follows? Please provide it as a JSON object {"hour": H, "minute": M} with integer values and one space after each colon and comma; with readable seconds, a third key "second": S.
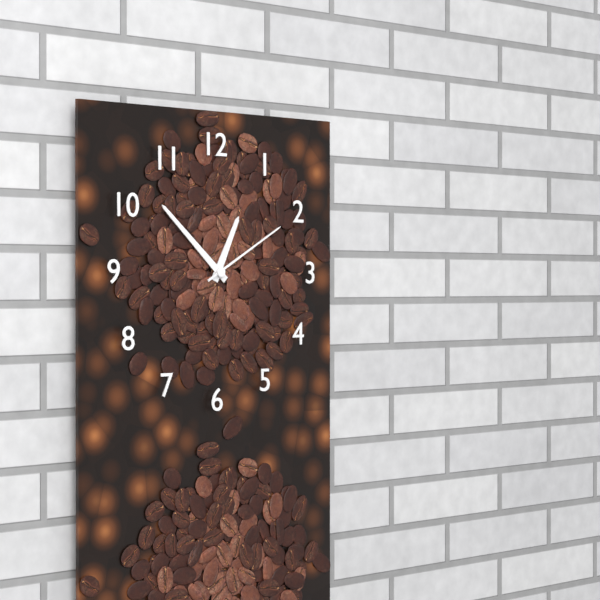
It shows {"hour": 12, "minute": 52, "second": 10}
